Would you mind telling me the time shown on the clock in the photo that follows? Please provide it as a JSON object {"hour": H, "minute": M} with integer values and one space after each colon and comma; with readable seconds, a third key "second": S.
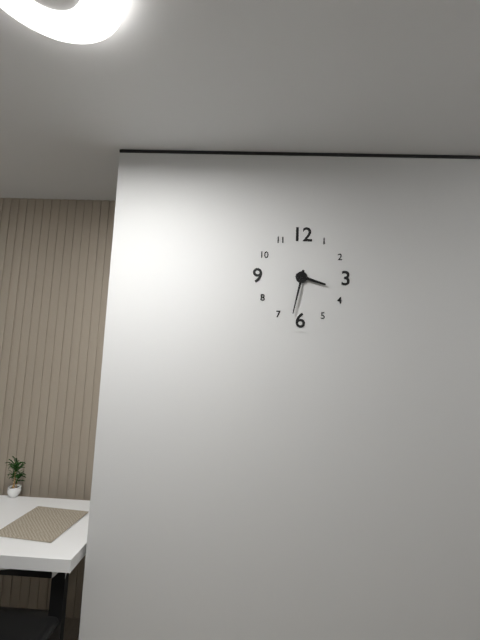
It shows {"hour": 3, "minute": 32}
